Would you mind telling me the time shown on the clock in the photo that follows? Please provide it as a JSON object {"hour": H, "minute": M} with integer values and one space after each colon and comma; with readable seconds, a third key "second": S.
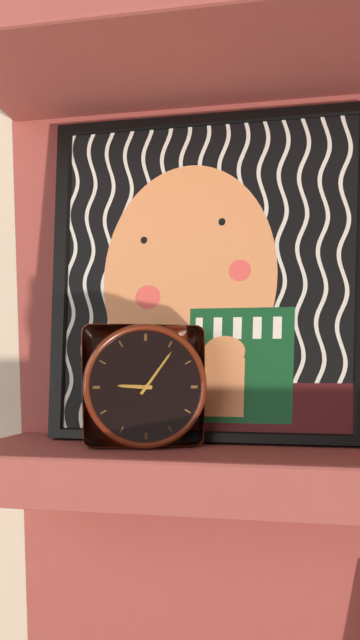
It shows {"hour": 9, "minute": 6}
